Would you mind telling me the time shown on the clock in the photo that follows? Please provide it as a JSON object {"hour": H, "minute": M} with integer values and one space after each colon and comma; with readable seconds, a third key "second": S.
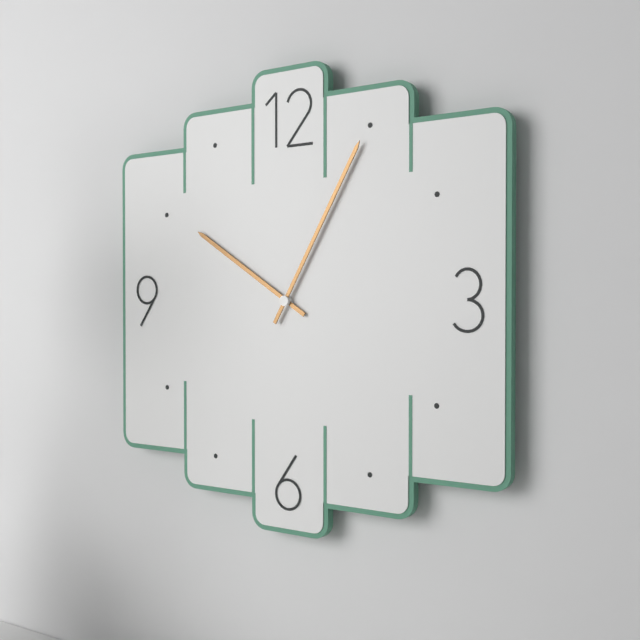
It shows {"hour": 10, "minute": 5}
